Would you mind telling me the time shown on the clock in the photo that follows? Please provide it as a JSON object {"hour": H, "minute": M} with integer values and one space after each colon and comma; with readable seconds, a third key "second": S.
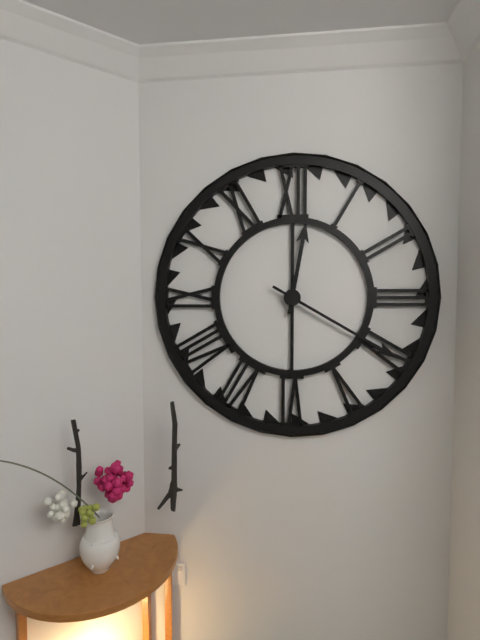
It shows {"hour": 12, "minute": 20}
